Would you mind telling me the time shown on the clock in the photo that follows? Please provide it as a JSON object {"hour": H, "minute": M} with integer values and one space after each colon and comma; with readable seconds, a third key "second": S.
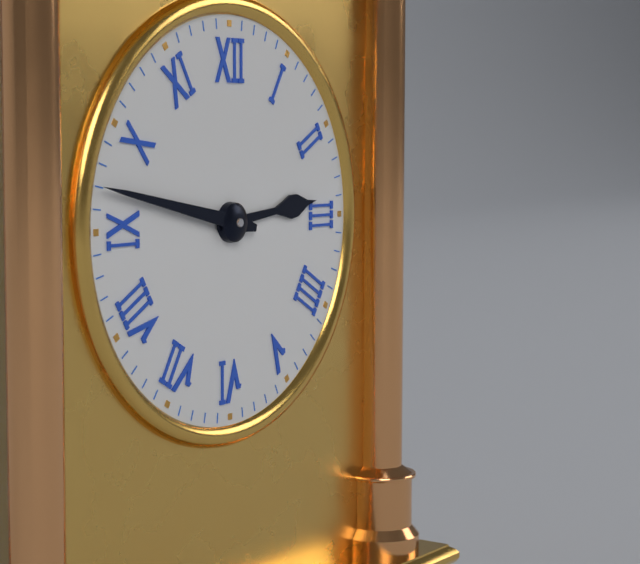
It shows {"hour": 2, "minute": 47}
